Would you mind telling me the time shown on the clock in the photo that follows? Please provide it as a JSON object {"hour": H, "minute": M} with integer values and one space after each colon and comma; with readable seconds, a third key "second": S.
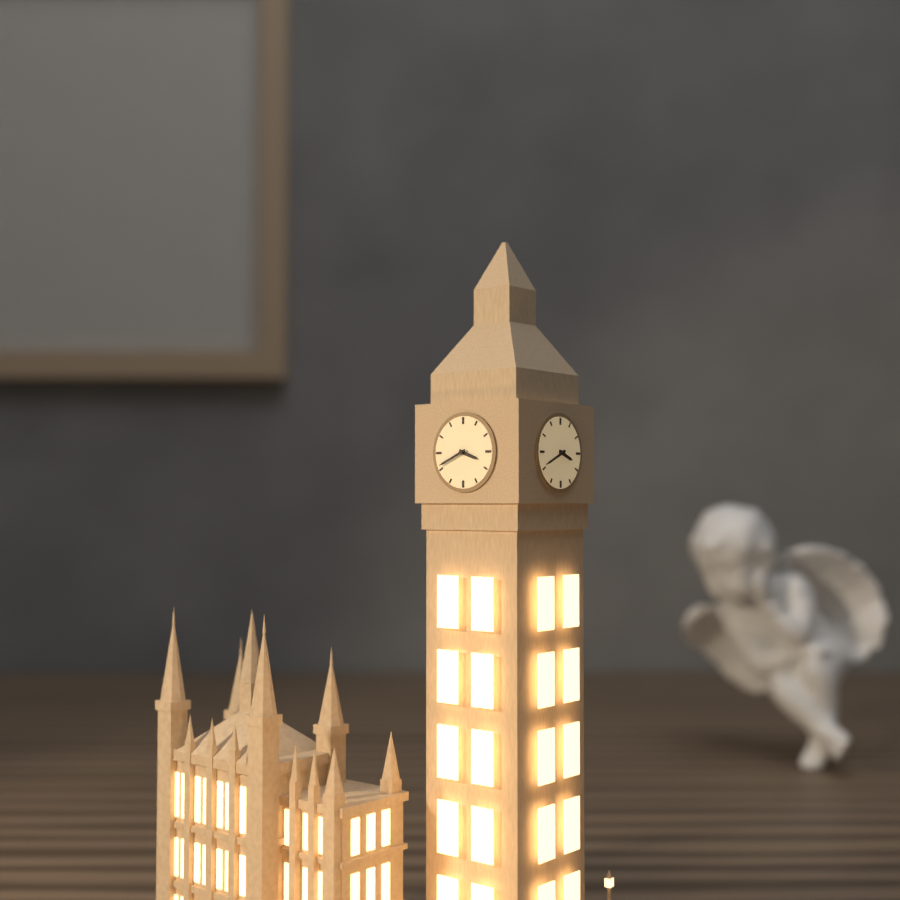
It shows {"hour": 3, "minute": 41}
